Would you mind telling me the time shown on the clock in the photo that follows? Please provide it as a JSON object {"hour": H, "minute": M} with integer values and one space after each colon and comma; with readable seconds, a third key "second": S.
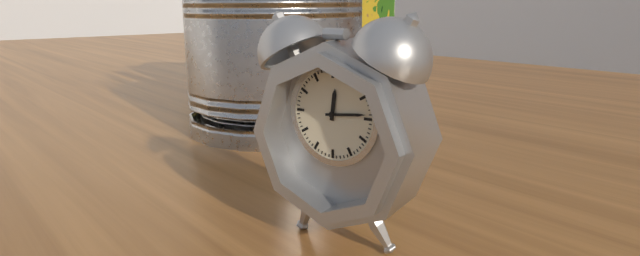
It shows {"hour": 12, "minute": 14}
